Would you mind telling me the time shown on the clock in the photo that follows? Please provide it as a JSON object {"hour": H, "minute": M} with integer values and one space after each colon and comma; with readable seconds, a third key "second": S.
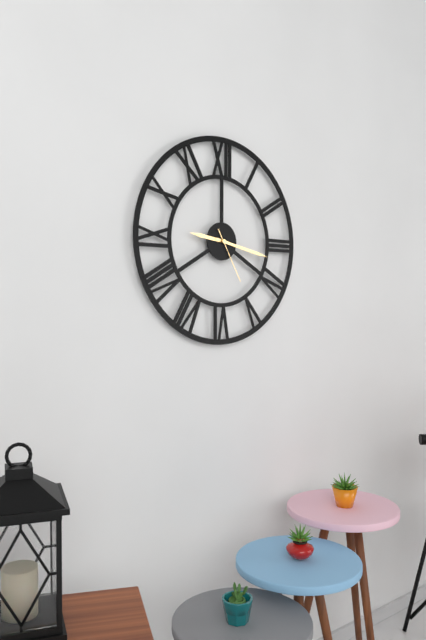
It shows {"hour": 9, "minute": 17, "second": 25}
